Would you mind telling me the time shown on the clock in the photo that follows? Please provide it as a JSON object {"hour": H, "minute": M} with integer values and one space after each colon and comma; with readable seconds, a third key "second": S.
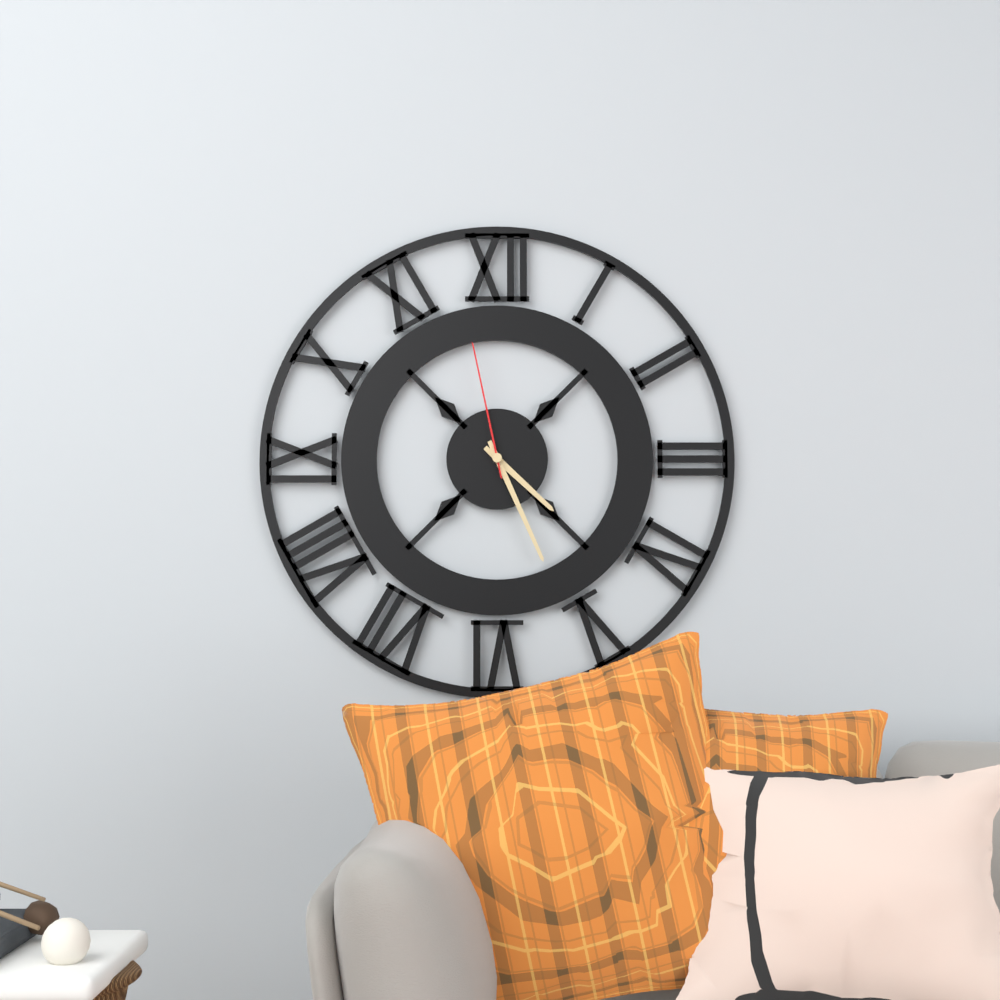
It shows {"hour": 4, "minute": 26, "second": 58}
